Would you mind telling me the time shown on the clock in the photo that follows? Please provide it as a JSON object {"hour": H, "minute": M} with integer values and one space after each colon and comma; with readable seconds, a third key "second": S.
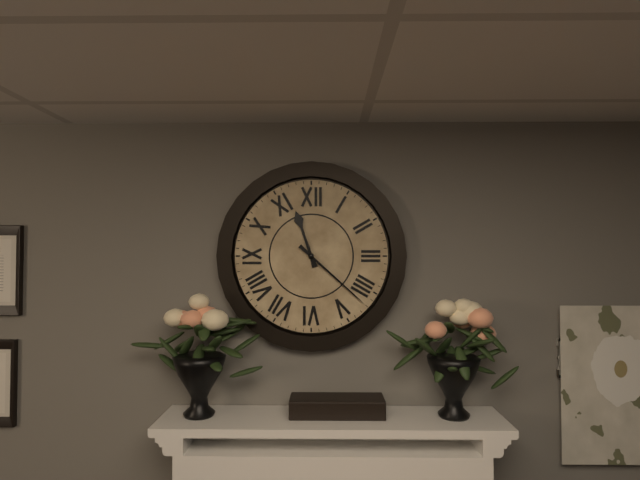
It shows {"hour": 11, "minute": 22}
